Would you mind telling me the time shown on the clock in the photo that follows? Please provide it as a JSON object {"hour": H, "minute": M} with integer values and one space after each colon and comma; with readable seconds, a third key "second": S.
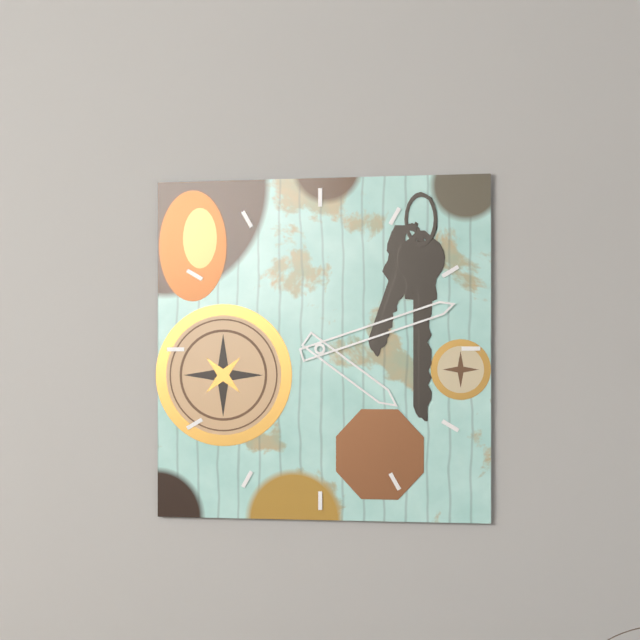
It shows {"hour": 4, "minute": 12}
